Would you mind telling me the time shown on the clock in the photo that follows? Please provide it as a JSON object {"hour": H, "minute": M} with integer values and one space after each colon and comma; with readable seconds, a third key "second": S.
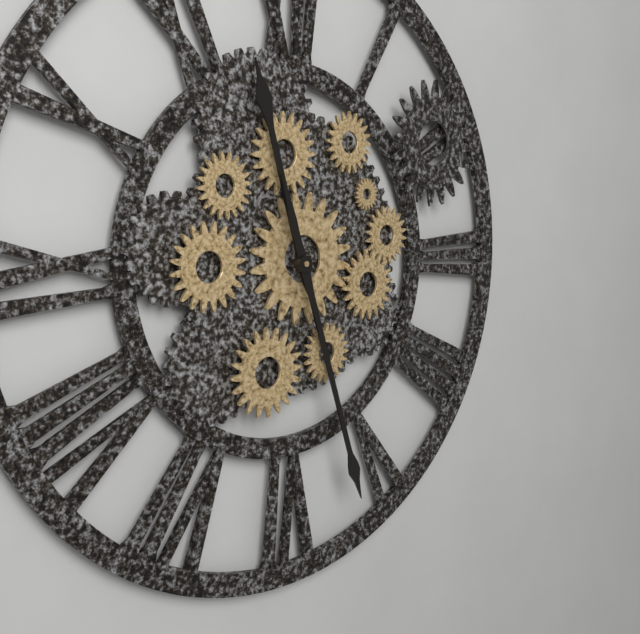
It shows {"hour": 11, "minute": 27}
